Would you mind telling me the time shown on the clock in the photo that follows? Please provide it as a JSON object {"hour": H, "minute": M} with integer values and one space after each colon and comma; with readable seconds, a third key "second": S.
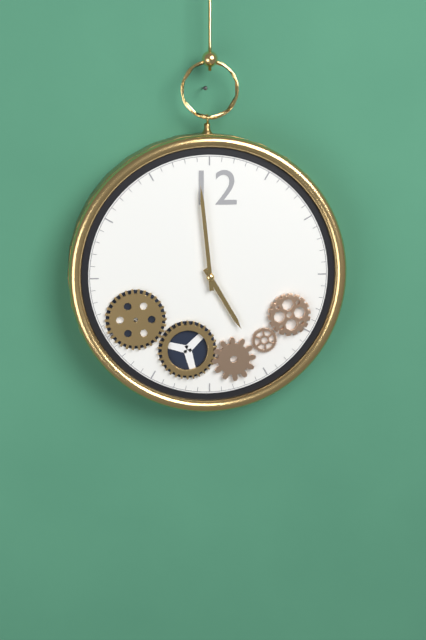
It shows {"hour": 4, "minute": 59}
